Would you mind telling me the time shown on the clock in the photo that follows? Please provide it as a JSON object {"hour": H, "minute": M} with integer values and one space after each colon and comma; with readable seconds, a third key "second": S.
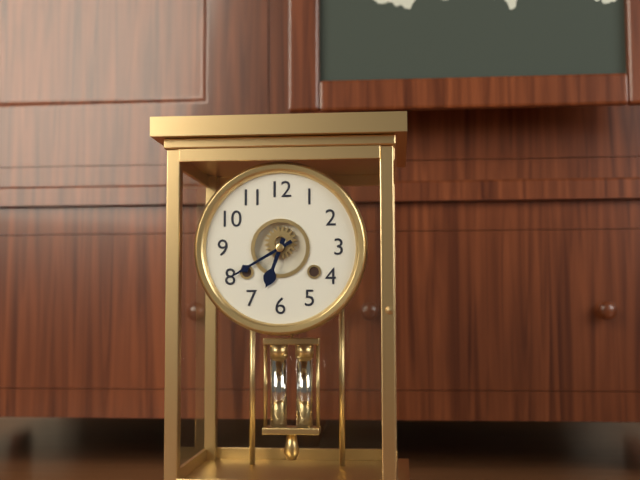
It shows {"hour": 6, "minute": 40}
